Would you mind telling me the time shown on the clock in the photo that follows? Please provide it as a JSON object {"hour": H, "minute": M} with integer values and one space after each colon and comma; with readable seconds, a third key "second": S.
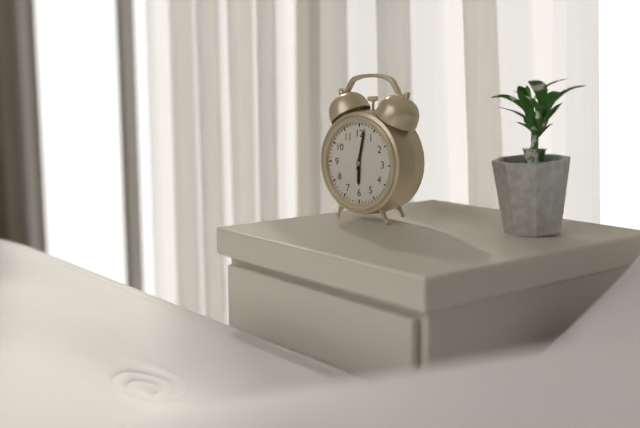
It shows {"hour": 6, "minute": 2}
